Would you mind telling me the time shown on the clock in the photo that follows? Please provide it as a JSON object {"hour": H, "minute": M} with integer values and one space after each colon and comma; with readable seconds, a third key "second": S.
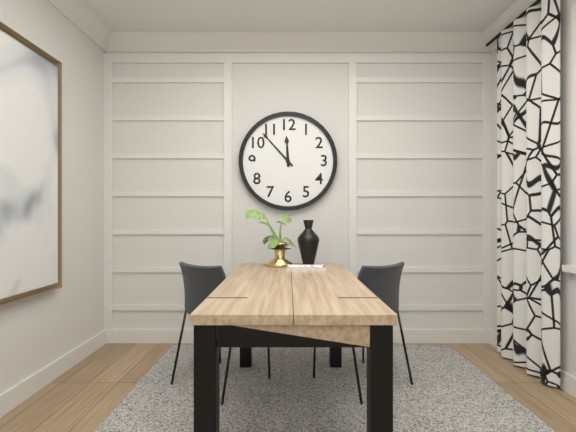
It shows {"hour": 11, "minute": 53}
